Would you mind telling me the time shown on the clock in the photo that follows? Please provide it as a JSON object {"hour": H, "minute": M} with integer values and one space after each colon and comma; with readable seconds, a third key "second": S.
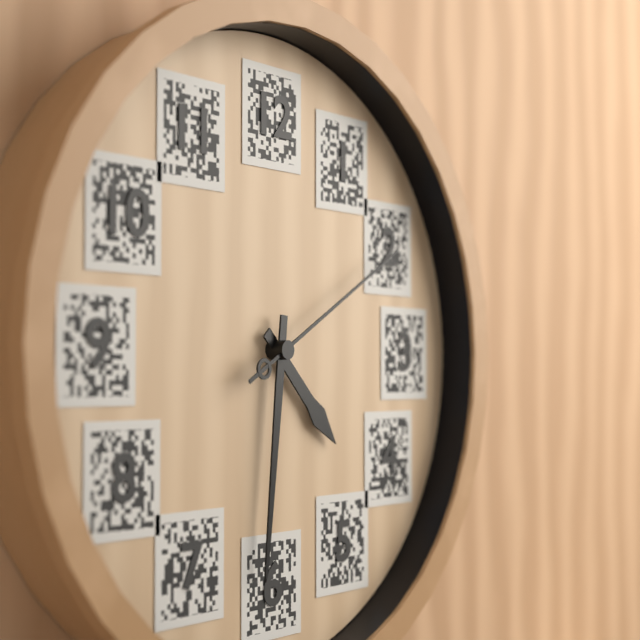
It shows {"hour": 4, "minute": 31, "second": 10}
